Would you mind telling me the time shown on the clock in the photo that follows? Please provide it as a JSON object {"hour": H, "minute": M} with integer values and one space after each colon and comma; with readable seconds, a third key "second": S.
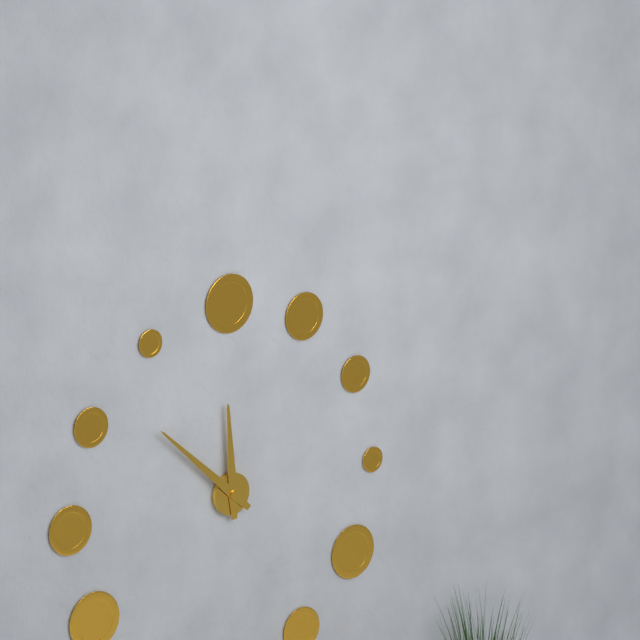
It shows {"hour": 11, "minute": 52}
